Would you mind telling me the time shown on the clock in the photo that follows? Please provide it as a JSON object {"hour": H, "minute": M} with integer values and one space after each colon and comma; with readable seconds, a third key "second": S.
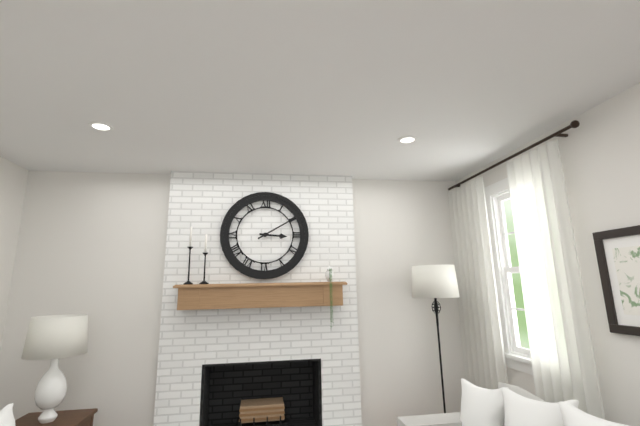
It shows {"hour": 3, "minute": 10}
